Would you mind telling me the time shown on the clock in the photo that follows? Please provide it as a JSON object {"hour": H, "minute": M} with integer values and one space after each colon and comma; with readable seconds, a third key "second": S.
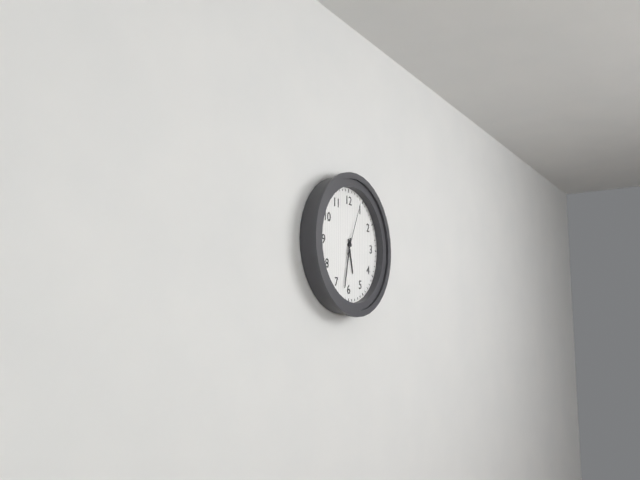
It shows {"hour": 5, "minute": 32, "second": 4}
